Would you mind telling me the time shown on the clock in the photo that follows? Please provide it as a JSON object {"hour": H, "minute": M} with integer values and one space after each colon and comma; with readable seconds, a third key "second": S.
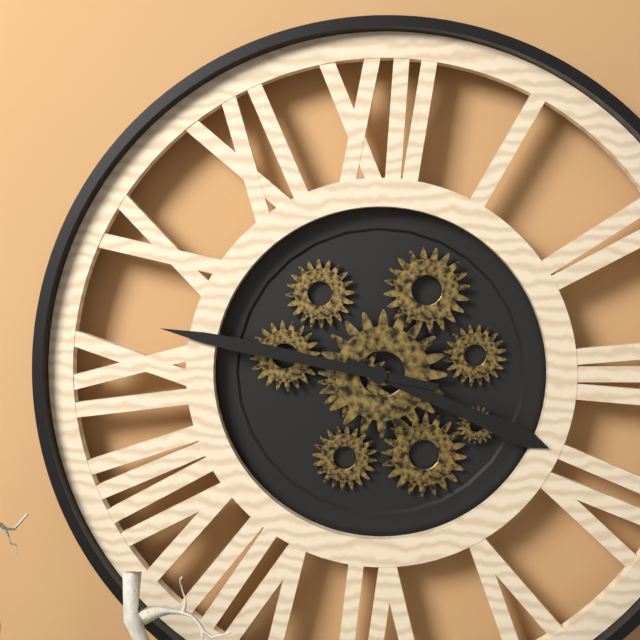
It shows {"hour": 3, "minute": 47}
